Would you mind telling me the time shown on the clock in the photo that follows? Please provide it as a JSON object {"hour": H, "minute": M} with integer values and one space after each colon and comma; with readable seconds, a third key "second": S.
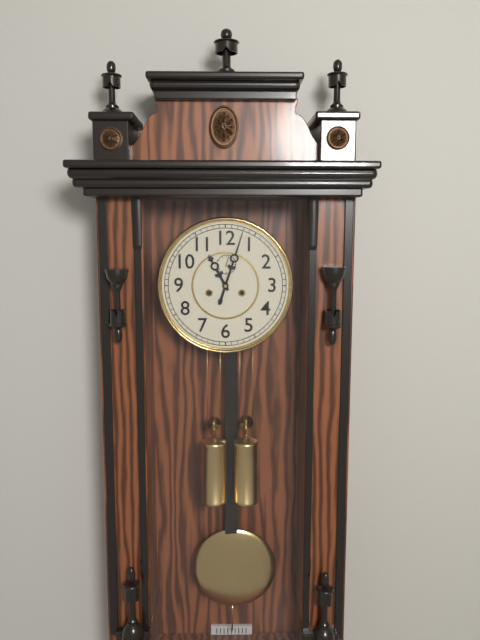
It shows {"hour": 11, "minute": 3}
